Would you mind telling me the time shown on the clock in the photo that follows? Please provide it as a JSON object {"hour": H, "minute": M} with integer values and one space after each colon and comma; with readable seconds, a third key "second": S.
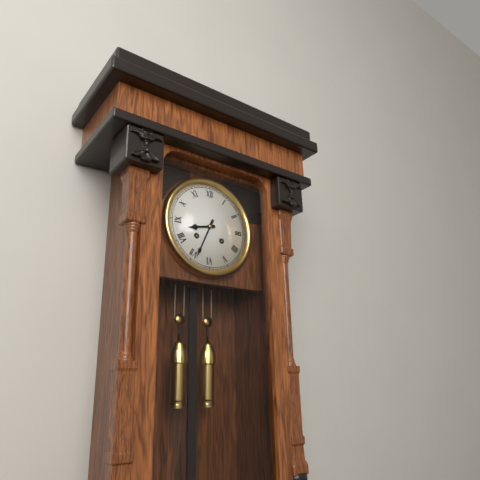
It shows {"hour": 8, "minute": 34}
